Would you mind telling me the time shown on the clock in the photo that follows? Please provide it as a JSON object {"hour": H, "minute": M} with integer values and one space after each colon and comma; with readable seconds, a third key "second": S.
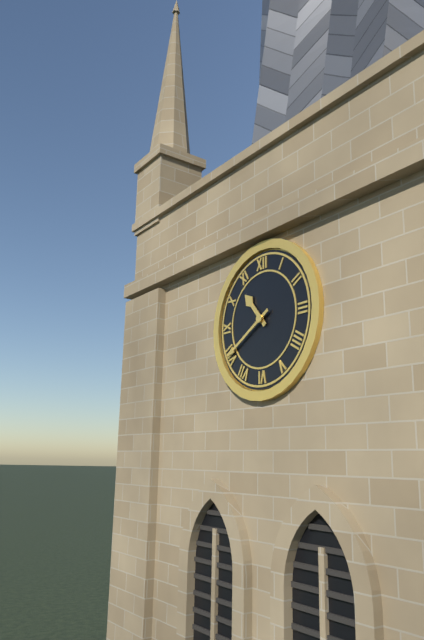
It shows {"hour": 10, "minute": 40}
